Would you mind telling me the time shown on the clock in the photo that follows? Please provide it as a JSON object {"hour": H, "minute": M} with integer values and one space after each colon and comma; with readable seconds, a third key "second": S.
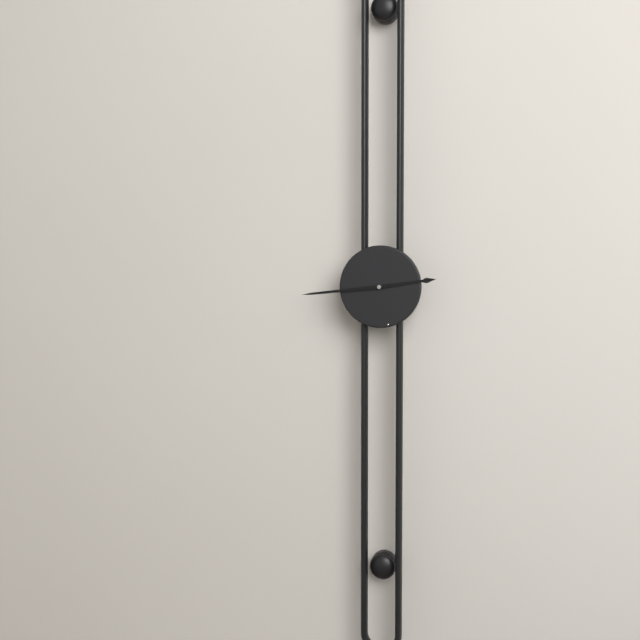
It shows {"hour": 2, "minute": 44}
